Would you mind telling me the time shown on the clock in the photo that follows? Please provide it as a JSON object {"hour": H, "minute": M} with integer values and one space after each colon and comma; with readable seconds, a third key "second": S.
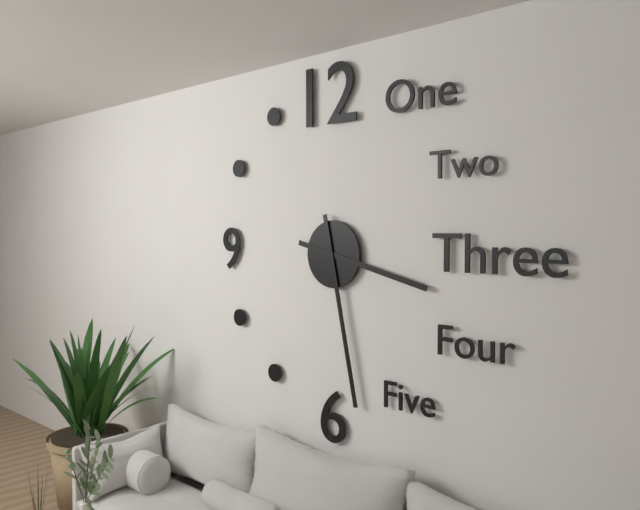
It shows {"hour": 3, "minute": 28}
